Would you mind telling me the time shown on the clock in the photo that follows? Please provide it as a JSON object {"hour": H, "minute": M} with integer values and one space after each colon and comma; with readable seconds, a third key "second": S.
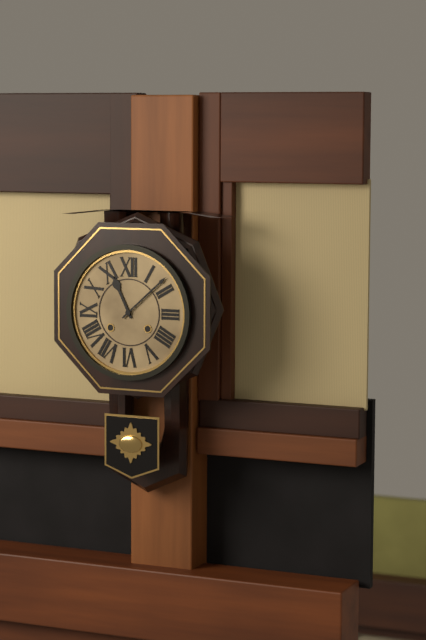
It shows {"hour": 11, "minute": 8}
